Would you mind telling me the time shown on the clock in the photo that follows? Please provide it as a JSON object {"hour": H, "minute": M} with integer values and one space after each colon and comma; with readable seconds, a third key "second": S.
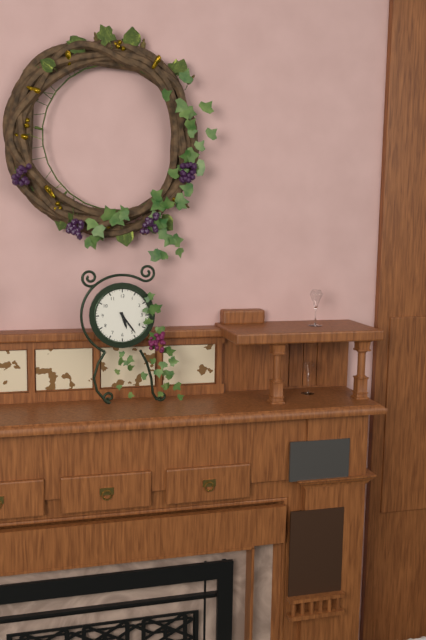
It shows {"hour": 5, "minute": 24}
